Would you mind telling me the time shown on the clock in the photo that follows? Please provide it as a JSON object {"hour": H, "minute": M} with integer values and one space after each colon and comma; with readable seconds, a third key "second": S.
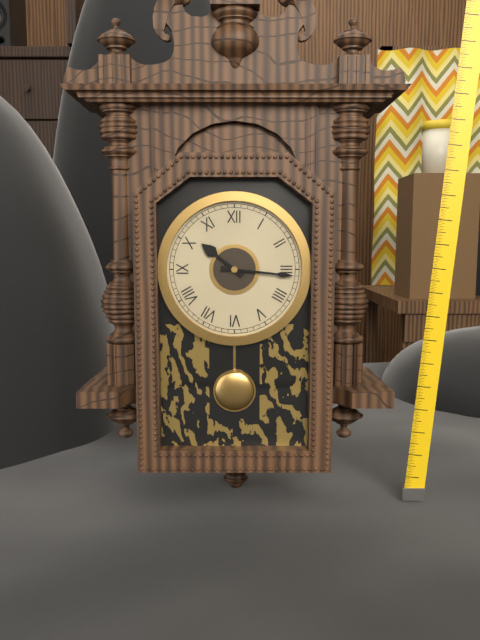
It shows {"hour": 10, "minute": 16}
